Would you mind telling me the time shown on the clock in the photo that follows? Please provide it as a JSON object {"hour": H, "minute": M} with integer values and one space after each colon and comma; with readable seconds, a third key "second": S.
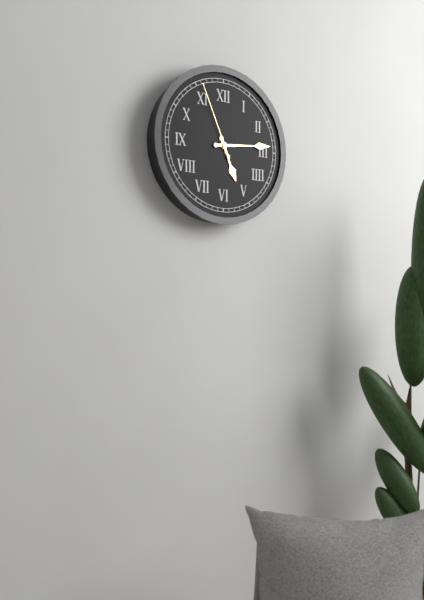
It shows {"hour": 5, "minute": 14, "second": 56}
